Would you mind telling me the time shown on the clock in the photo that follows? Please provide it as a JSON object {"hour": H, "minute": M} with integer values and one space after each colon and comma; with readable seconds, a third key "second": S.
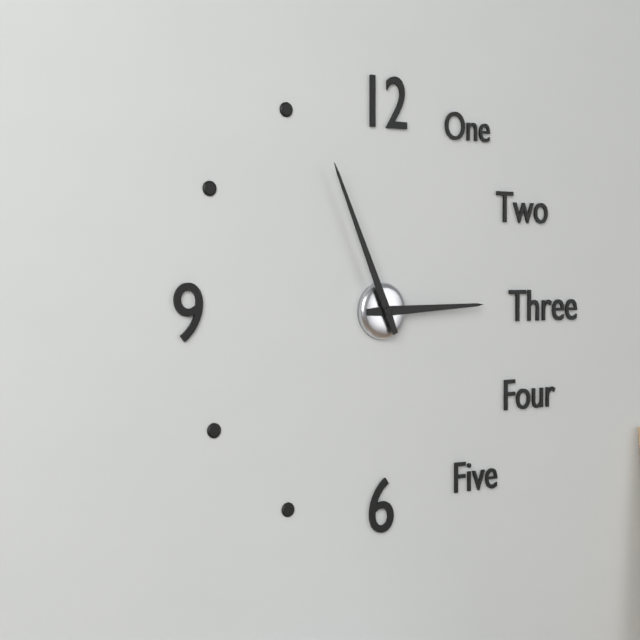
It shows {"hour": 2, "minute": 56}
